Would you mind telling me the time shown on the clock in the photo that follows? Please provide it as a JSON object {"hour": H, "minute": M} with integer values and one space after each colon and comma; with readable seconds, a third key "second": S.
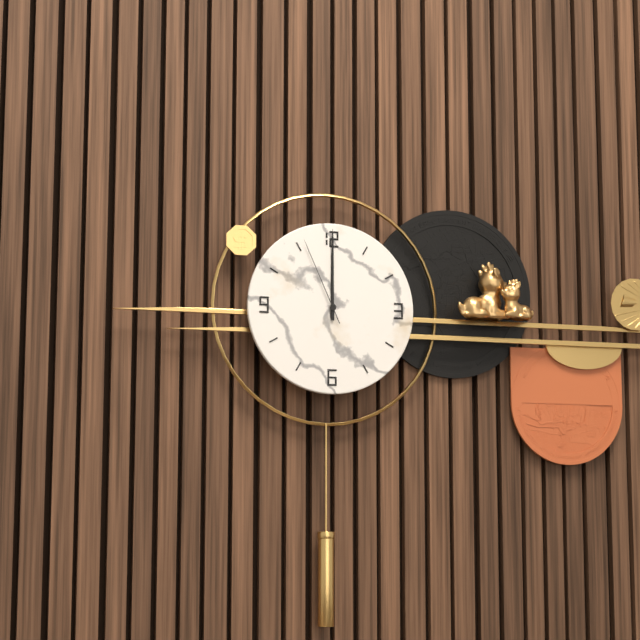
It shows {"hour": 12, "minute": 0, "second": 56}
